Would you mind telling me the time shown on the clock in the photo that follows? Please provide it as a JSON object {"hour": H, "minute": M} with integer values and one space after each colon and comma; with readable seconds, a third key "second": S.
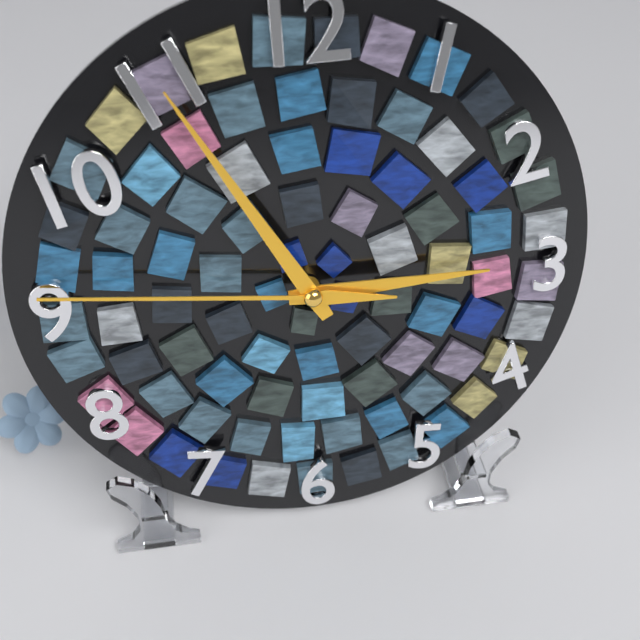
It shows {"hour": 2, "minute": 55, "second": 46}
